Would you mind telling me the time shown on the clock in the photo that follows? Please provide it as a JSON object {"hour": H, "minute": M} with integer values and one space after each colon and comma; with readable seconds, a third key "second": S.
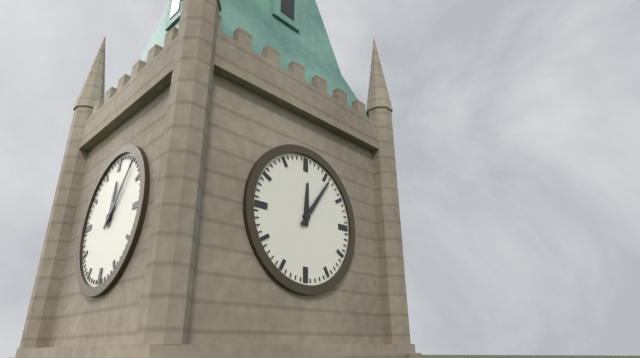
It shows {"hour": 12, "minute": 6}
